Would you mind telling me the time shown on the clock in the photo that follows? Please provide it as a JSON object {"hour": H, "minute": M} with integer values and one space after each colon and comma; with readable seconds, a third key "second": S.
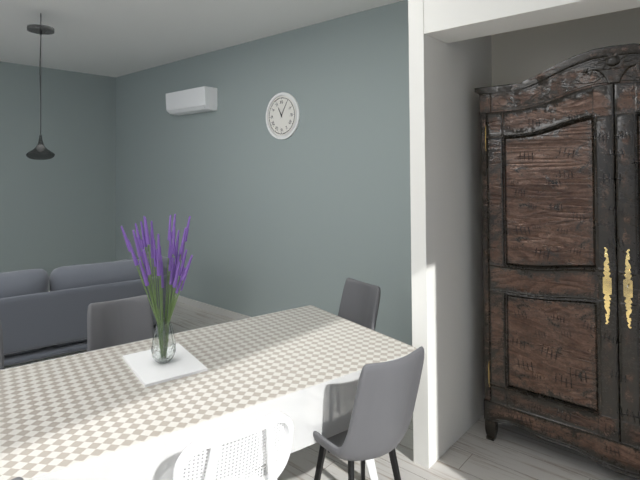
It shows {"hour": 11, "minute": 5}
